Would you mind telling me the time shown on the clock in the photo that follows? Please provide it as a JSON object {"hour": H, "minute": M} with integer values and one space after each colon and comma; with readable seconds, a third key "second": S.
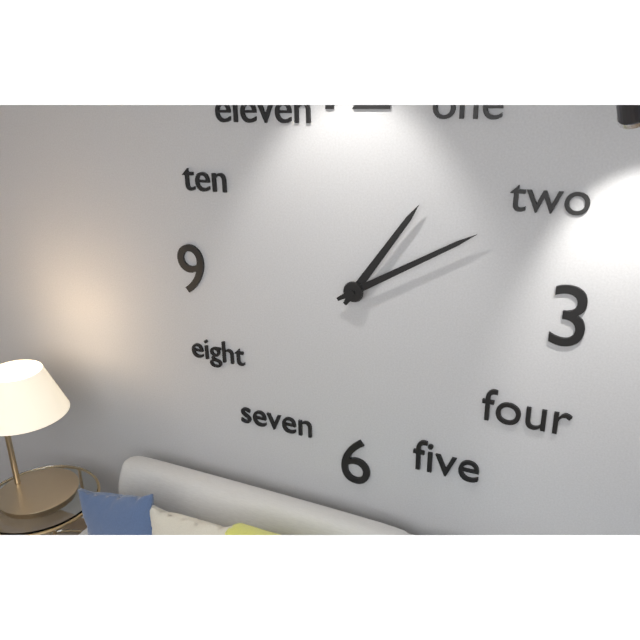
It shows {"hour": 1, "minute": 10}
